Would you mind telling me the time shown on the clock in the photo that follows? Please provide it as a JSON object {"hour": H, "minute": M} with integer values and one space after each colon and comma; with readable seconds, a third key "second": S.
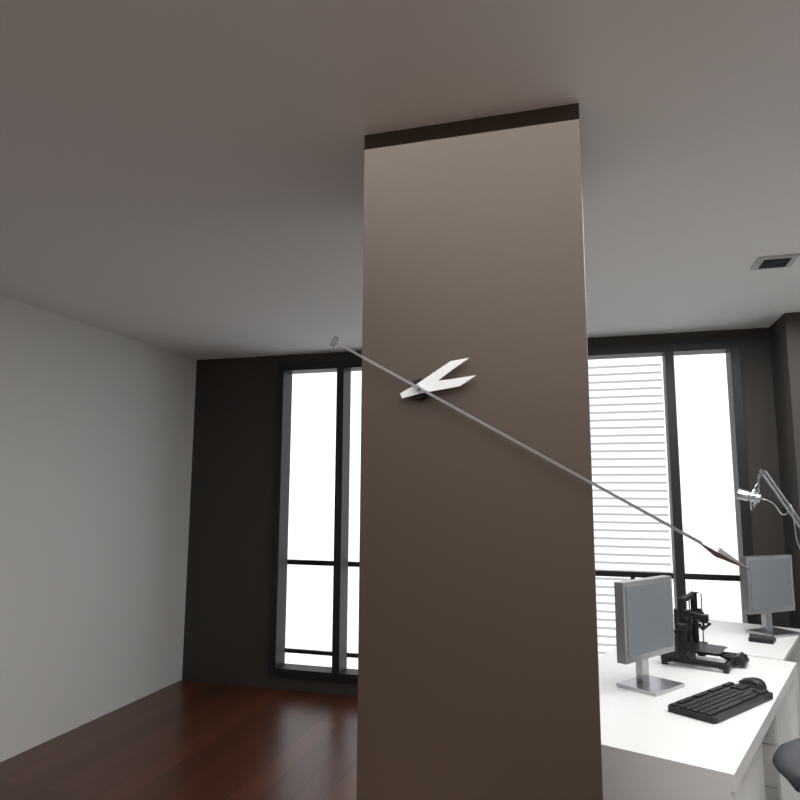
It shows {"hour": 2, "minute": 20}
